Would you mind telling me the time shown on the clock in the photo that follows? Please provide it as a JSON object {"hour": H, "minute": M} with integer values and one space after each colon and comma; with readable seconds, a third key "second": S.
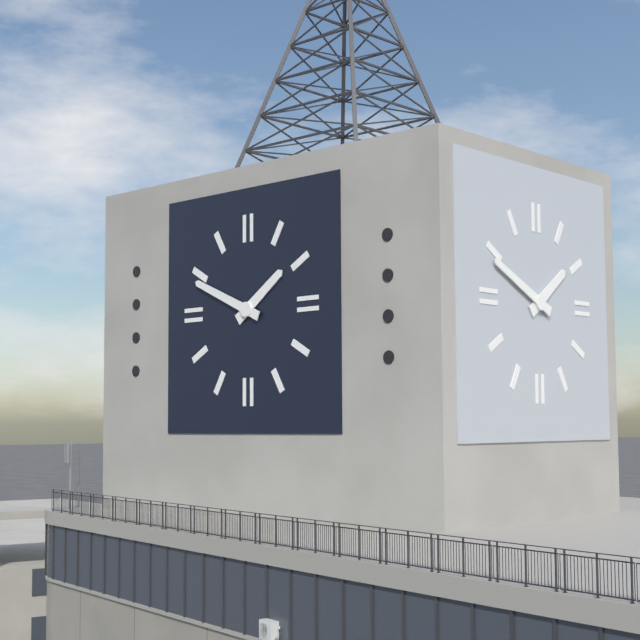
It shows {"hour": 1, "minute": 49}
